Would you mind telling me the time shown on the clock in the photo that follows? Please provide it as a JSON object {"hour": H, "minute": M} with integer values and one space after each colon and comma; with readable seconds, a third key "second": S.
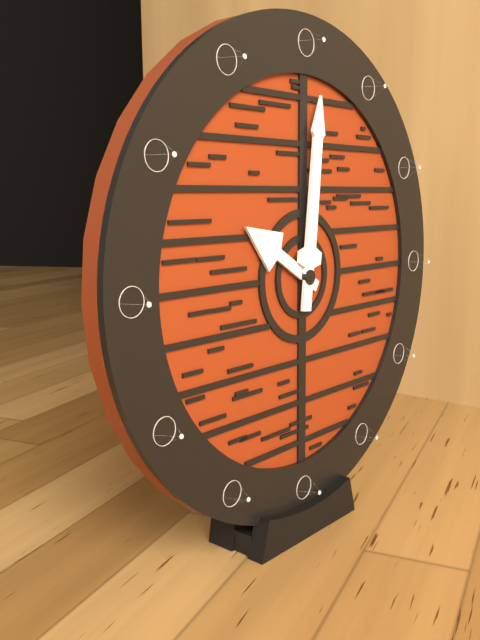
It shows {"hour": 10, "minute": 1}
